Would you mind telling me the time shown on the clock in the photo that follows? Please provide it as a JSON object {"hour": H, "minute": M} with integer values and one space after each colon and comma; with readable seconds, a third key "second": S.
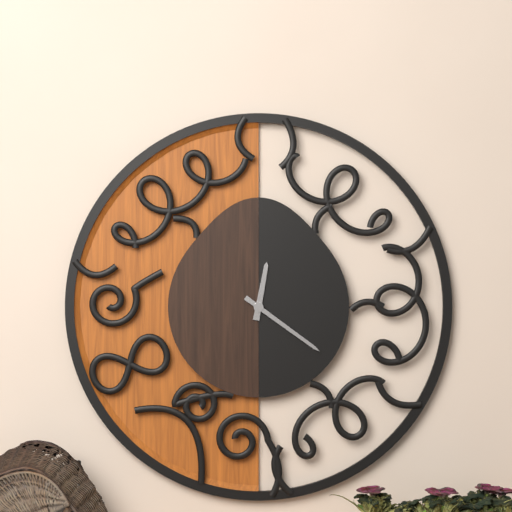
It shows {"hour": 12, "minute": 21}
